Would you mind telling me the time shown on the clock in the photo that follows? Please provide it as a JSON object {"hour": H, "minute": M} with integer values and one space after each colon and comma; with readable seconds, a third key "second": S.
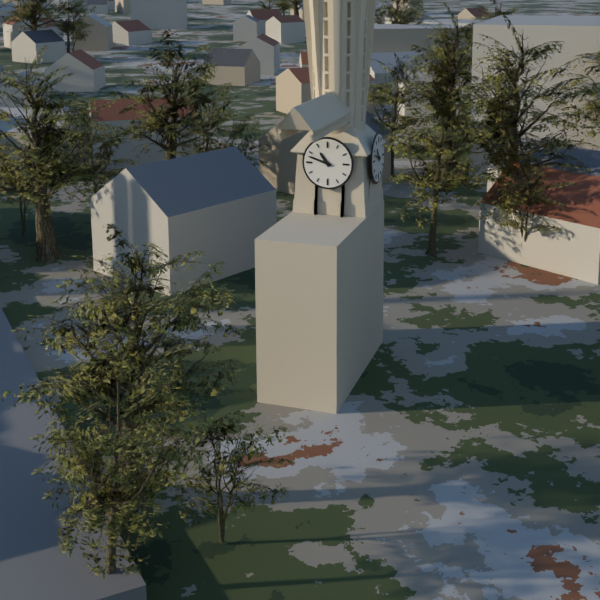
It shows {"hour": 10, "minute": 48}
